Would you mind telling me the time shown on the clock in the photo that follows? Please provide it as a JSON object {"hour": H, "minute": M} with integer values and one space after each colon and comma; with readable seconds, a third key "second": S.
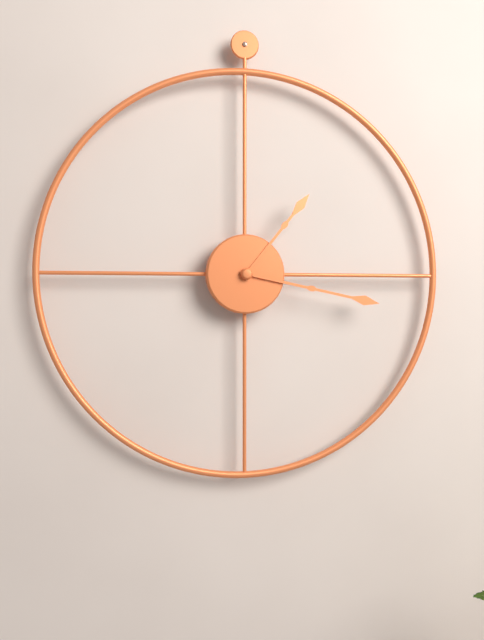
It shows {"hour": 1, "minute": 17}
